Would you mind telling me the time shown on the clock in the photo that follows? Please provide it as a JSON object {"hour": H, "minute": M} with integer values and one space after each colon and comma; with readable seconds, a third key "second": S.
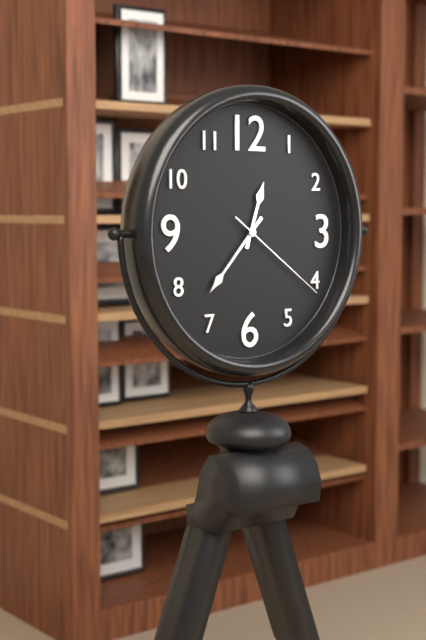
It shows {"hour": 12, "minute": 37, "second": 21}
